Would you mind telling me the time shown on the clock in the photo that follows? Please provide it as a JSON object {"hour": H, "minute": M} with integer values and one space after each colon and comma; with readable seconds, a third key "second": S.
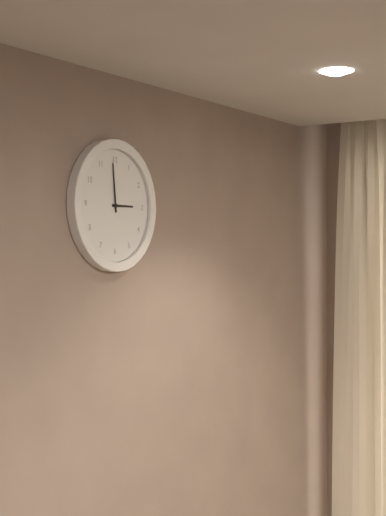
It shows {"hour": 2, "minute": 59}
